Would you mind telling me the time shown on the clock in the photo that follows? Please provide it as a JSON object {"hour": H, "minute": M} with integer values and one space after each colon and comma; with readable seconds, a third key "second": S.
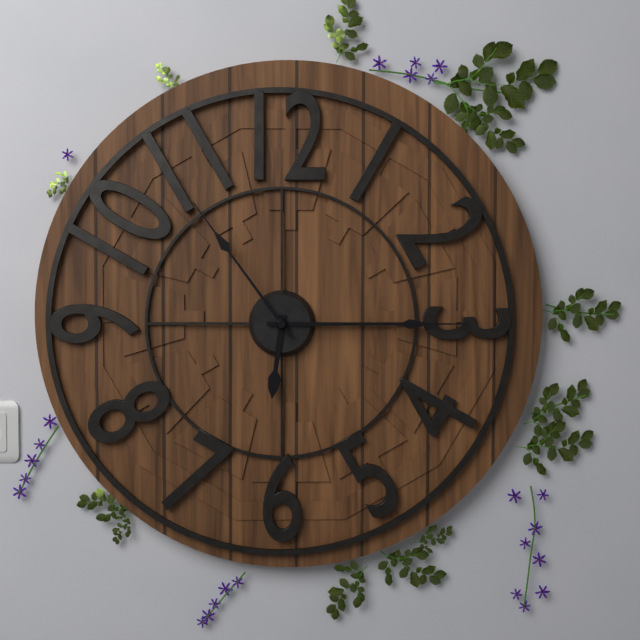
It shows {"hour": 6, "minute": 15, "second": 54}
